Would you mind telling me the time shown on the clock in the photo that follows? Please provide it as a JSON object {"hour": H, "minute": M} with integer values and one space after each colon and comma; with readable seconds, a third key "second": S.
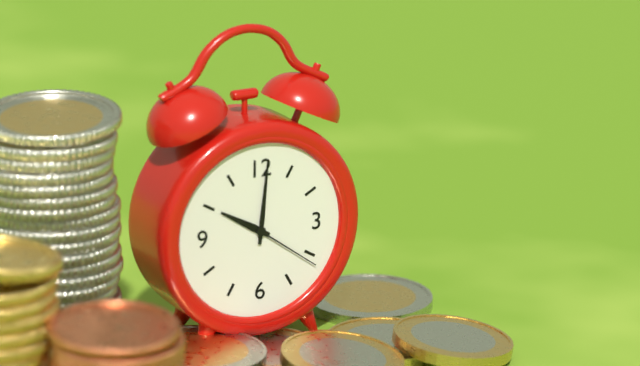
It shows {"hour": 10, "minute": 1, "second": 21}
